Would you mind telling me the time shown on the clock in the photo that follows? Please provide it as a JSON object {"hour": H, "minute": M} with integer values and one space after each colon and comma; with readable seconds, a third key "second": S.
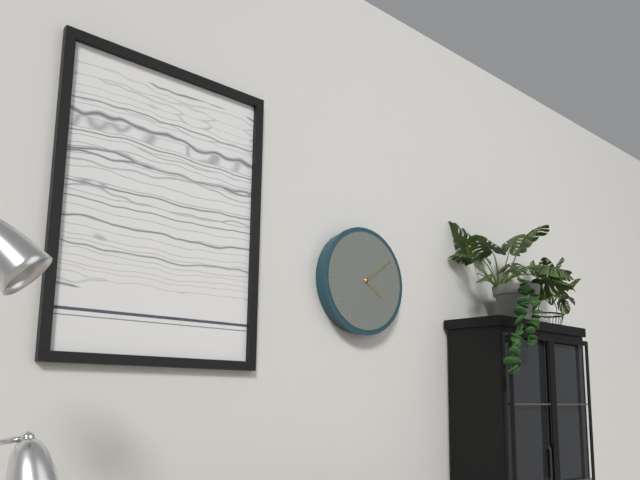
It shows {"hour": 4, "minute": 9}
